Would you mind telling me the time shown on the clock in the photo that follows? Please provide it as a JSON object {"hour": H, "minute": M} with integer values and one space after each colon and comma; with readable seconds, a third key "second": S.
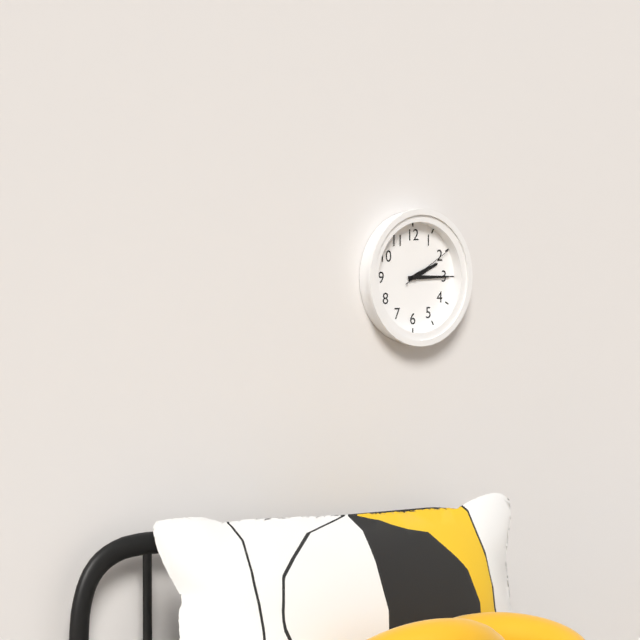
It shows {"hour": 2, "minute": 15, "second": 10}
